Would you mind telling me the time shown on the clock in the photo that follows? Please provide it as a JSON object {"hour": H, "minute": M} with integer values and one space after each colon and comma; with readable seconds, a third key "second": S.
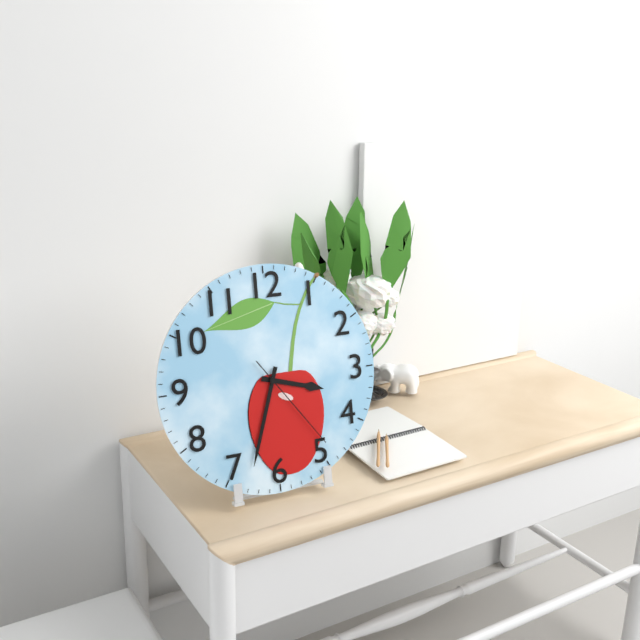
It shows {"hour": 3, "minute": 33, "second": 24}
